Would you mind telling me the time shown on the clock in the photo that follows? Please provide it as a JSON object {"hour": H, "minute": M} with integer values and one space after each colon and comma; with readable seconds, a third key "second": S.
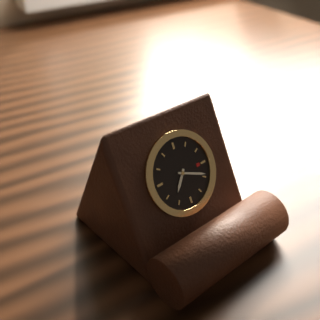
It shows {"hour": 7, "minute": 19}
